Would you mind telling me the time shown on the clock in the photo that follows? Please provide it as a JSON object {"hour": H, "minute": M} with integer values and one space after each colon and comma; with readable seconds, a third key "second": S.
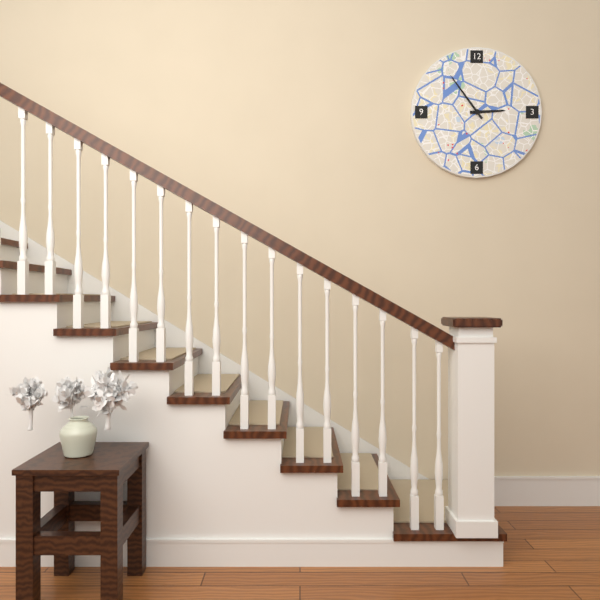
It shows {"hour": 2, "minute": 54}
